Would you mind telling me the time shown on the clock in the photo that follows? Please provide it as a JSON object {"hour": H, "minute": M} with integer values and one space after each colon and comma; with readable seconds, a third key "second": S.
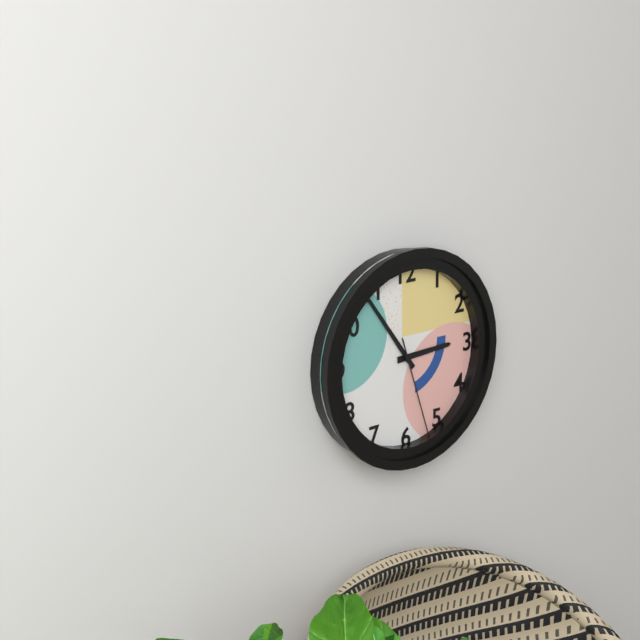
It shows {"hour": 2, "minute": 54, "second": 27}
